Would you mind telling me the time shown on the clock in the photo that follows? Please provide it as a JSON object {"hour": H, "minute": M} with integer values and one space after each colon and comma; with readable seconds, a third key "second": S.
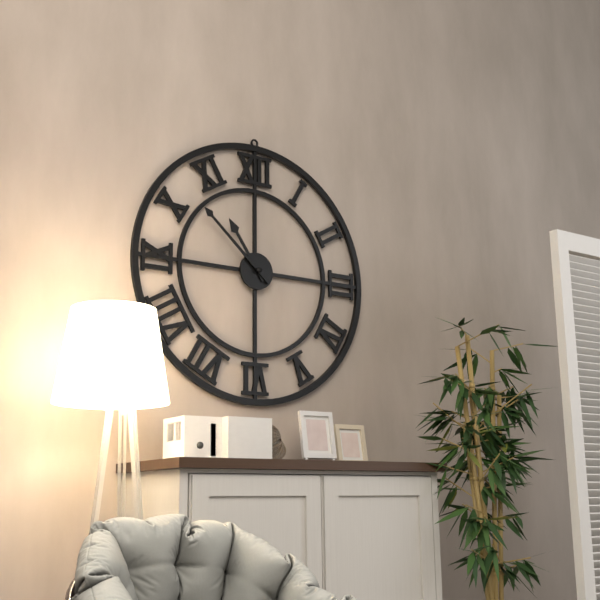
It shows {"hour": 10, "minute": 52}
